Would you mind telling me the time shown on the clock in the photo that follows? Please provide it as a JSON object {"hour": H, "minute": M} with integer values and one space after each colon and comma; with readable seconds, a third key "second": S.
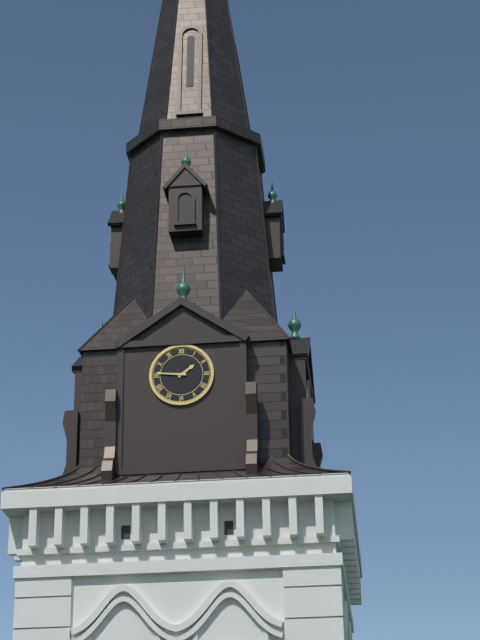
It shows {"hour": 1, "minute": 46}
